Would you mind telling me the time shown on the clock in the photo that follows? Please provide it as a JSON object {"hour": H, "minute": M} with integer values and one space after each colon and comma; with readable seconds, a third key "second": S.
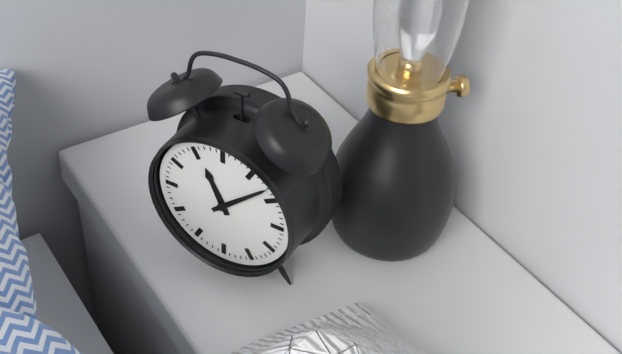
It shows {"hour": 11, "minute": 8}
